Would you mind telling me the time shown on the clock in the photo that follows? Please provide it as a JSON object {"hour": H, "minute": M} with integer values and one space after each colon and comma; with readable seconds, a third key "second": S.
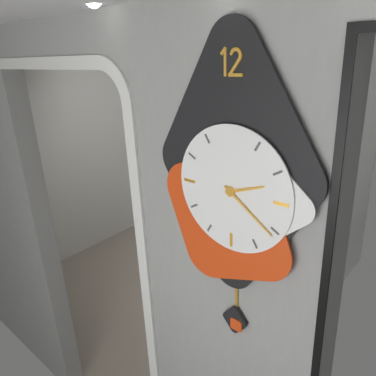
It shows {"hour": 2, "minute": 21}
